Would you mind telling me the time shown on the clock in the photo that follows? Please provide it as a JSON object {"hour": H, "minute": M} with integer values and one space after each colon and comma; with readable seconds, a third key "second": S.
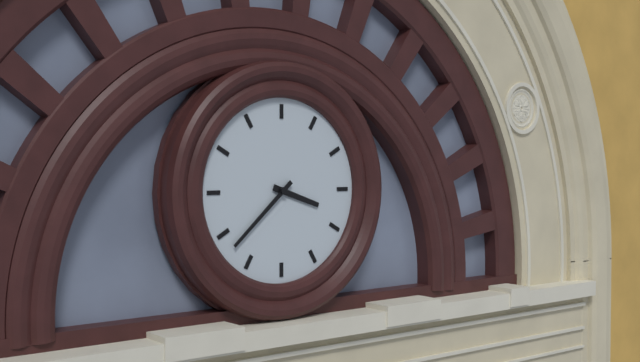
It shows {"hour": 3, "minute": 38}
